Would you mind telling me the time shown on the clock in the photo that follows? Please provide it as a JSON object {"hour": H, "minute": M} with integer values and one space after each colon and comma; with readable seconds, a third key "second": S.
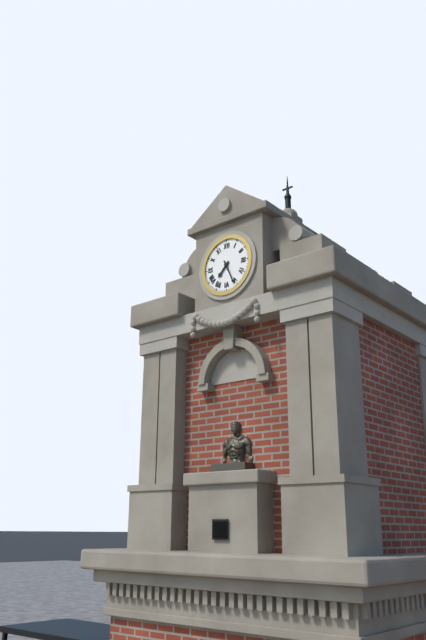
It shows {"hour": 7, "minute": 26}
